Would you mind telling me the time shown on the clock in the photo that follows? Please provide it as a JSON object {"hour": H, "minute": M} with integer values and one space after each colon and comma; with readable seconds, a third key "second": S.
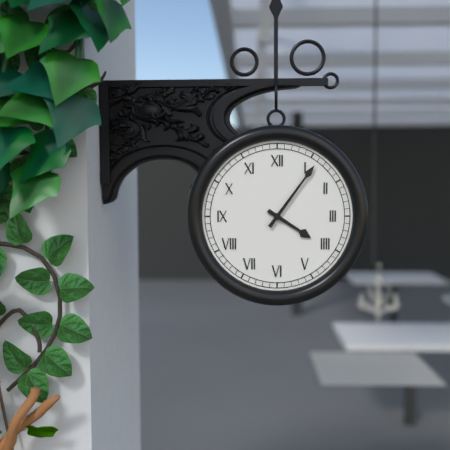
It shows {"hour": 4, "minute": 6}
